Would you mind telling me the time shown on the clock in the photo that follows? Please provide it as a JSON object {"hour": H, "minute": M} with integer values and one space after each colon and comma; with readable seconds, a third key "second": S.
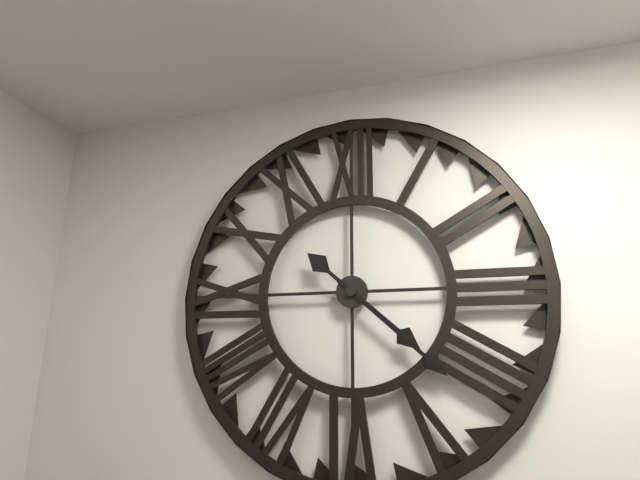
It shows {"hour": 4, "minute": 22}
